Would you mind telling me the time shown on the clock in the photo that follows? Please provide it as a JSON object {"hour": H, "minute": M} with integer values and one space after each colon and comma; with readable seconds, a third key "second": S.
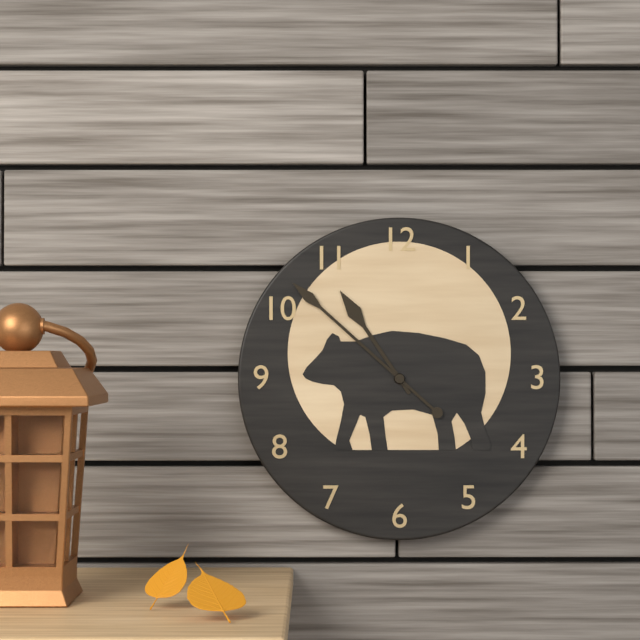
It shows {"hour": 10, "minute": 52}
